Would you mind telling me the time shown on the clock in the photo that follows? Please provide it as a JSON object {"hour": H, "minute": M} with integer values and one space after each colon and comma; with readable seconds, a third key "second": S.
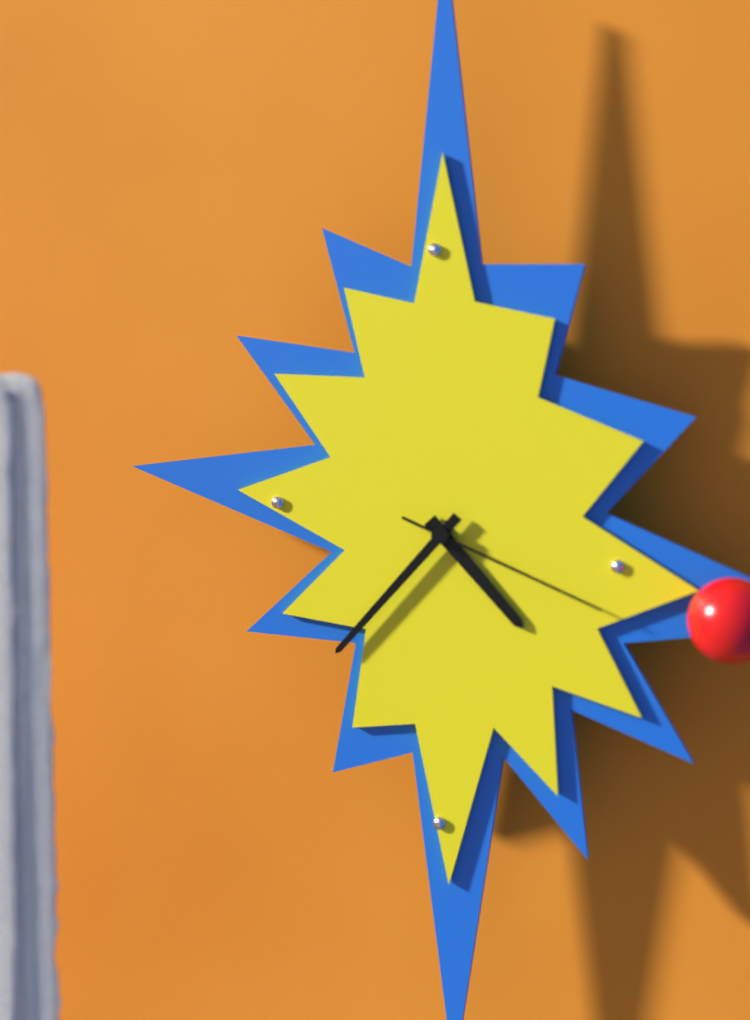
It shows {"hour": 4, "minute": 37, "second": 19}
